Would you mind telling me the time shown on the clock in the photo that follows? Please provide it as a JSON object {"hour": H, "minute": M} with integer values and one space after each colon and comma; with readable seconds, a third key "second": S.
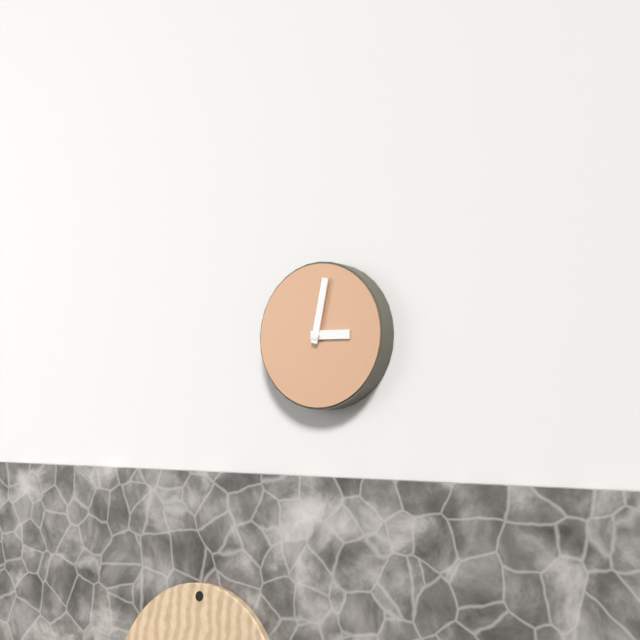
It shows {"hour": 3, "minute": 2}
